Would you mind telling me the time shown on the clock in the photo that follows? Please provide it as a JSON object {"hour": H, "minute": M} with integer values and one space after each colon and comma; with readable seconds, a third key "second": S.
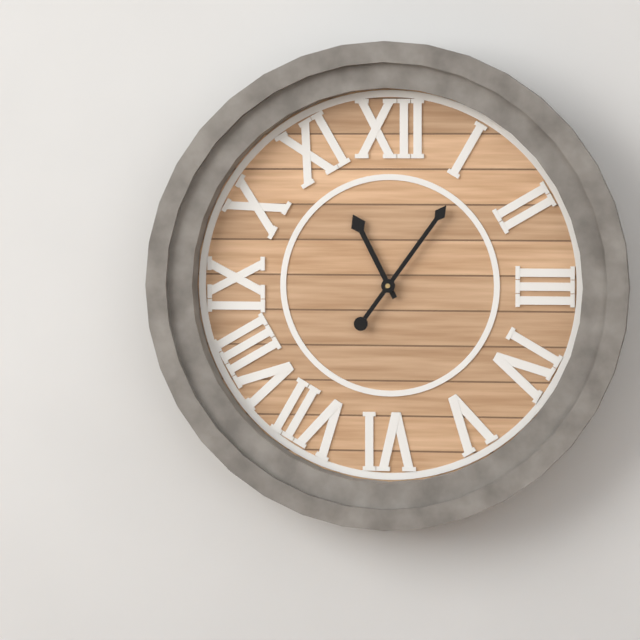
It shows {"hour": 11, "minute": 6}
